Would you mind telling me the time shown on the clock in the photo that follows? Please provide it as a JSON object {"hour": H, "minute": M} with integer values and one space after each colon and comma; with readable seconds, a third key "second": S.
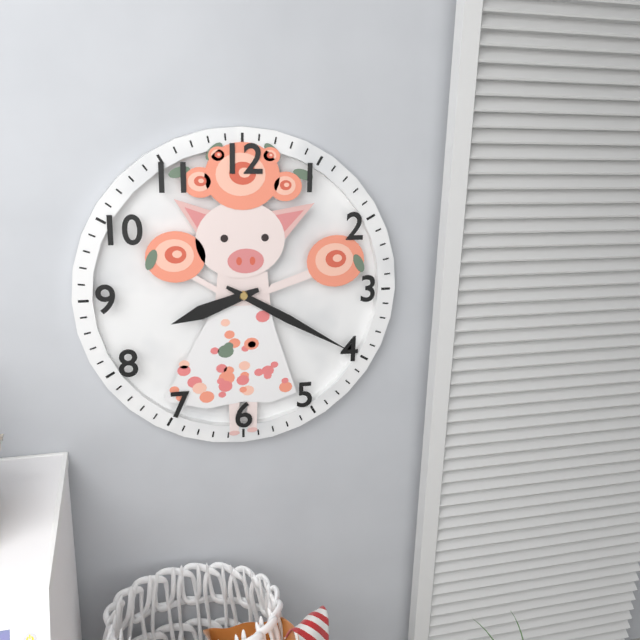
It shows {"hour": 8, "minute": 20}
